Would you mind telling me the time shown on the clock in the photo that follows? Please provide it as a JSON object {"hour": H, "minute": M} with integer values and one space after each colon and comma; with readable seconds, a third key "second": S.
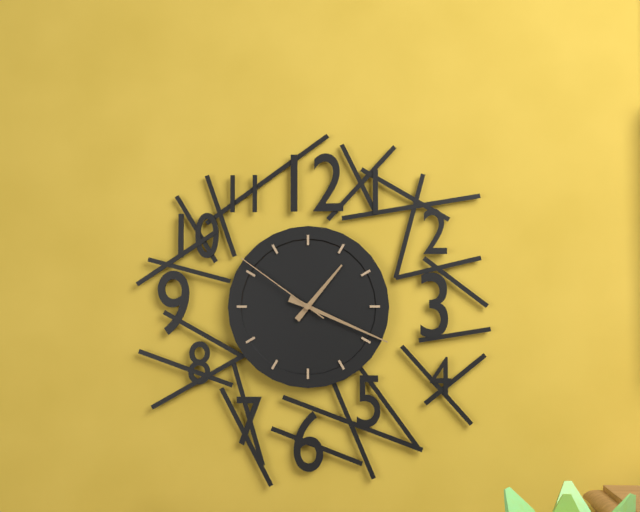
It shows {"hour": 1, "minute": 19, "second": 51}
